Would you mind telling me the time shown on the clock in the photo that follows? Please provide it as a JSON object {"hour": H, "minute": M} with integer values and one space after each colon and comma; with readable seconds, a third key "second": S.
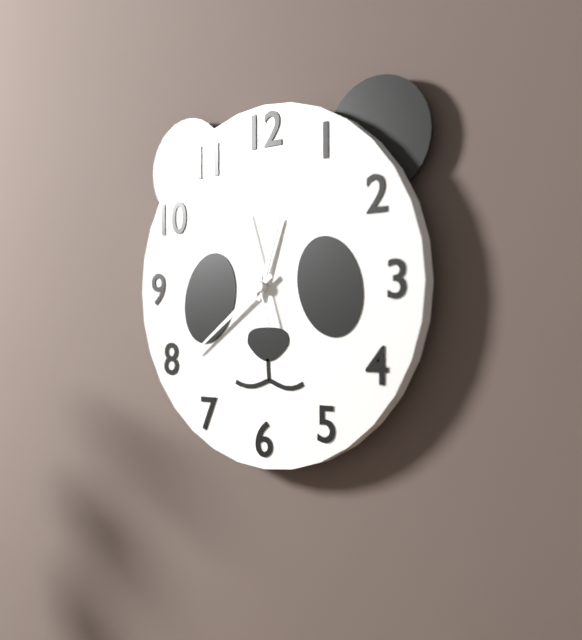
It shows {"hour": 12, "minute": 39, "second": 57}
